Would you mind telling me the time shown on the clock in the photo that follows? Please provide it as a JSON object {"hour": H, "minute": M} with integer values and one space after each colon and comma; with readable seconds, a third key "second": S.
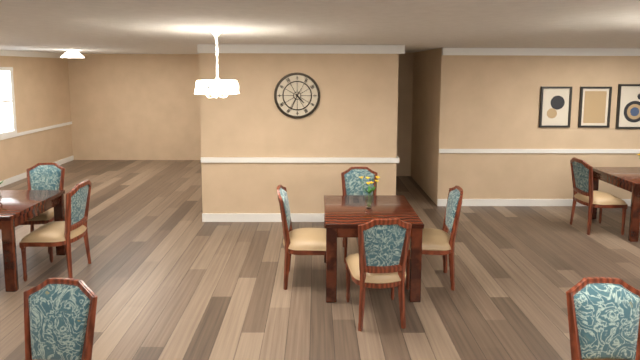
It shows {"hour": 4, "minute": 34}
